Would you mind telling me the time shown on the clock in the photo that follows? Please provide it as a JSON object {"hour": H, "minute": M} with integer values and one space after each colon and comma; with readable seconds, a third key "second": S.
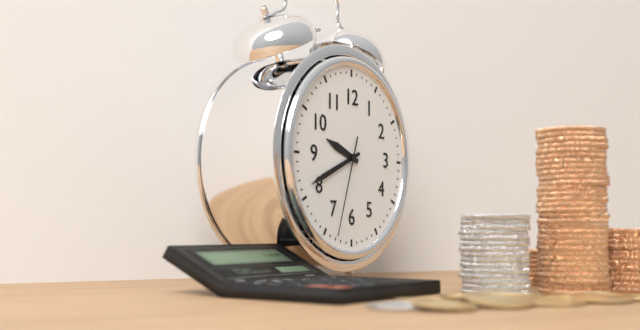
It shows {"hour": 9, "minute": 41, "second": 33}
